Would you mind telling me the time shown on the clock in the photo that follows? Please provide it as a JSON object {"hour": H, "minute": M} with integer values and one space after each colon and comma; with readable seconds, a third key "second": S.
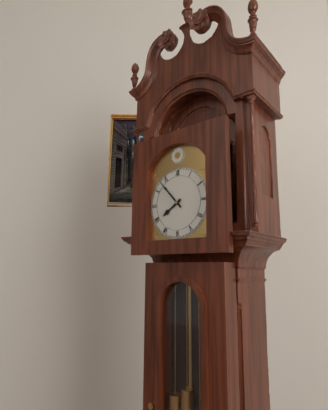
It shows {"hour": 7, "minute": 53}
